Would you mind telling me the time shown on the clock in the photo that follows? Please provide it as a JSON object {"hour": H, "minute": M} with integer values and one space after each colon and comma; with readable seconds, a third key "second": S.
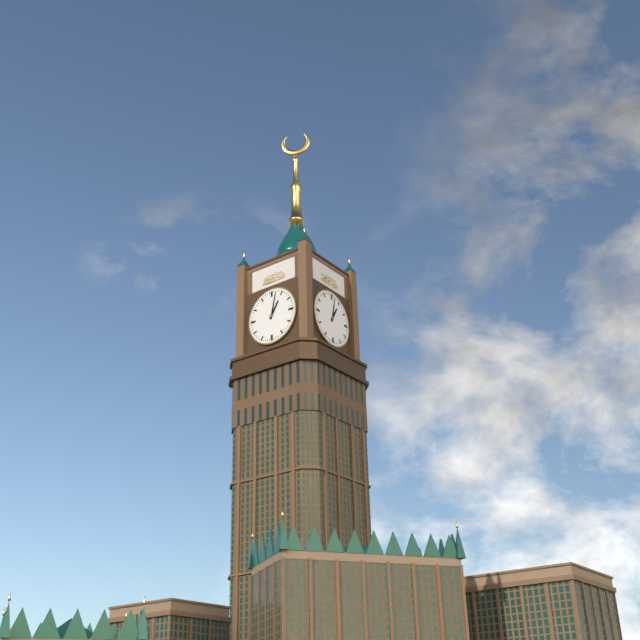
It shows {"hour": 1, "minute": 2}
